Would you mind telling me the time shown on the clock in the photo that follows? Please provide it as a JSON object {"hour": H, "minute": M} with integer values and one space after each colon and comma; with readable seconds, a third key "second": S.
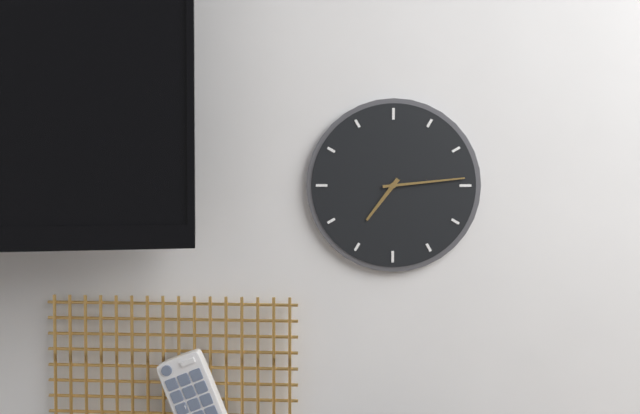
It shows {"hour": 7, "minute": 14}
